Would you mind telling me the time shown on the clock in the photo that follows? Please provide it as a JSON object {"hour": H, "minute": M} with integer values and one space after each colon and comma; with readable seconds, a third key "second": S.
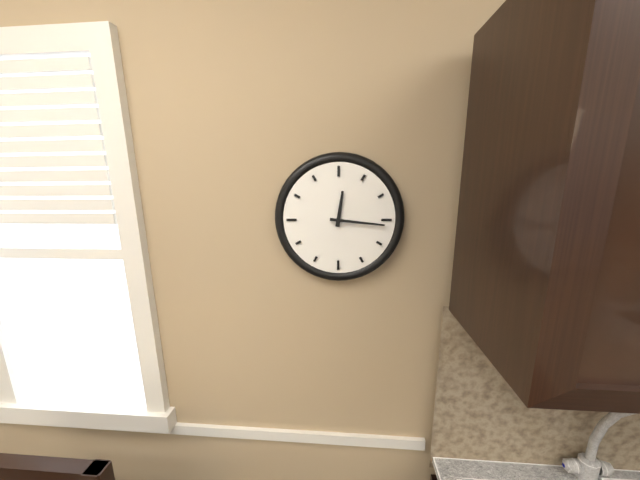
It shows {"hour": 12, "minute": 16}
